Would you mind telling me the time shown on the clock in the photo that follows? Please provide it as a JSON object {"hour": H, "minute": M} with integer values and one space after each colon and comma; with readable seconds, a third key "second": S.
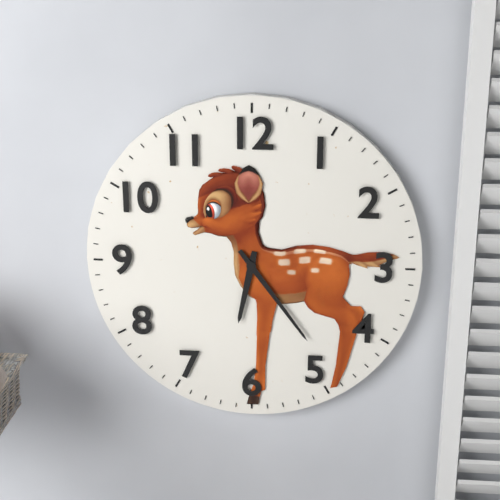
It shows {"hour": 6, "minute": 24}
